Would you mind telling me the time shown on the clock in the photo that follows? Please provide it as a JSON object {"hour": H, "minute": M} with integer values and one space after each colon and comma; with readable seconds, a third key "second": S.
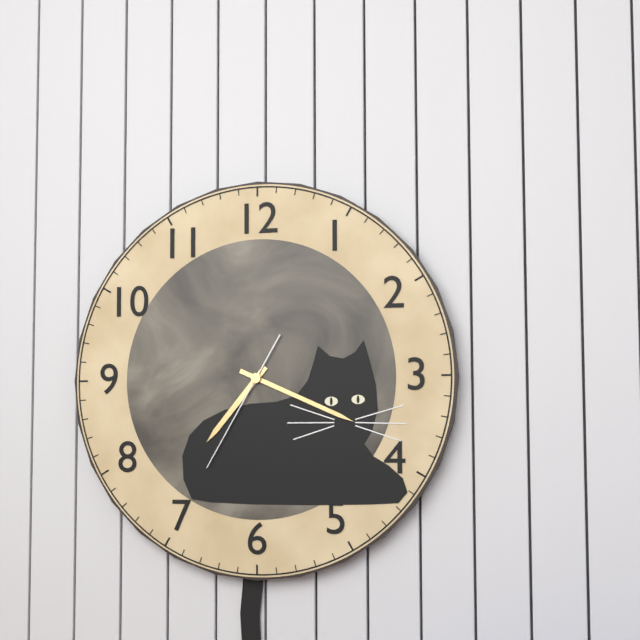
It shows {"hour": 7, "minute": 19, "second": 35}
